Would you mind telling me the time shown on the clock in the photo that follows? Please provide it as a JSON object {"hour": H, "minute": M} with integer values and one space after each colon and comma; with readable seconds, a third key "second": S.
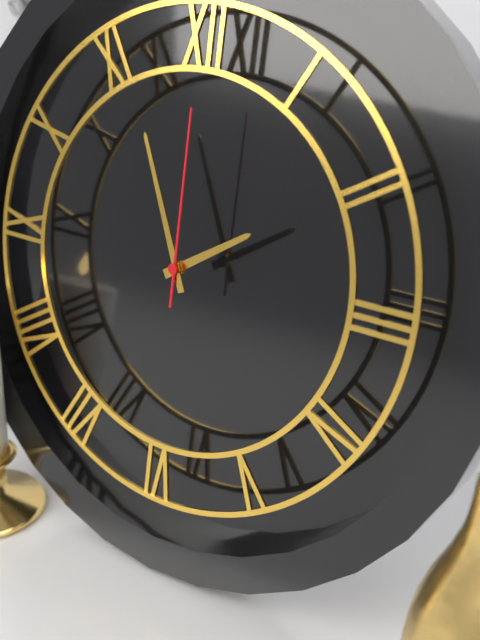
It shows {"hour": 1, "minute": 56, "second": 0}
